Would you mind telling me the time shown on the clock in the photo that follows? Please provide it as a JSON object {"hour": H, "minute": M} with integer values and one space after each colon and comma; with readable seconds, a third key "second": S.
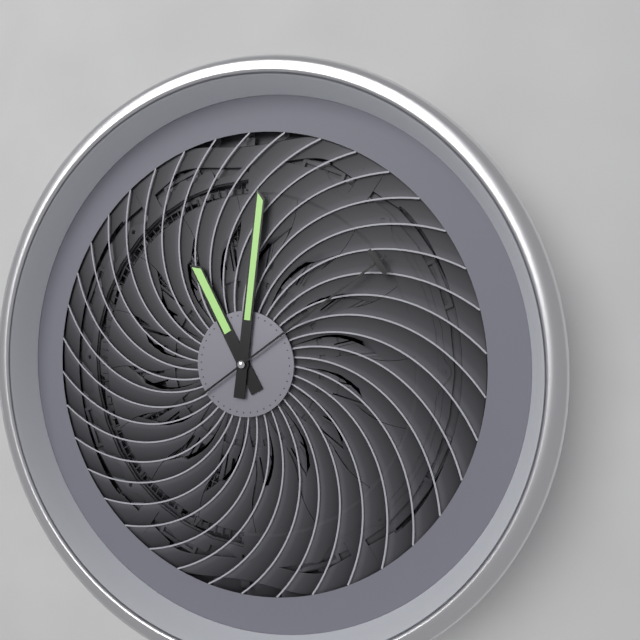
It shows {"hour": 11, "minute": 1, "second": 9}
